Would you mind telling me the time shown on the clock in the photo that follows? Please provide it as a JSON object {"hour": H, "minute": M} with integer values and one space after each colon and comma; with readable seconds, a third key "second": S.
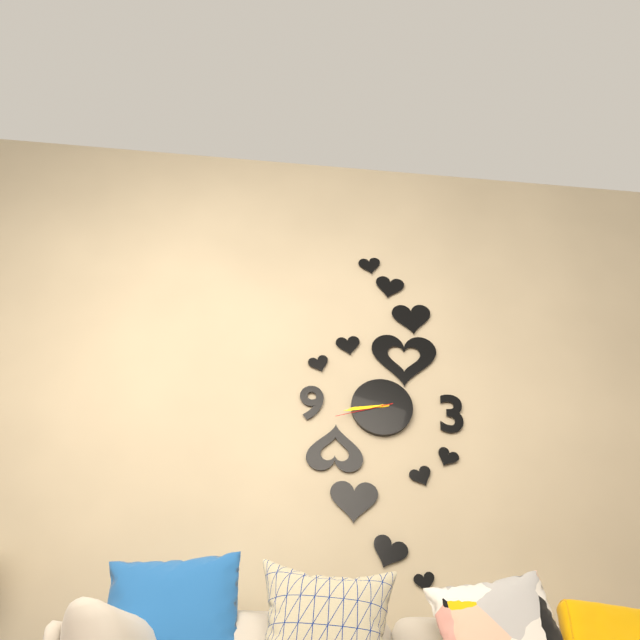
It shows {"hour": 8, "minute": 43, "second": 42}
